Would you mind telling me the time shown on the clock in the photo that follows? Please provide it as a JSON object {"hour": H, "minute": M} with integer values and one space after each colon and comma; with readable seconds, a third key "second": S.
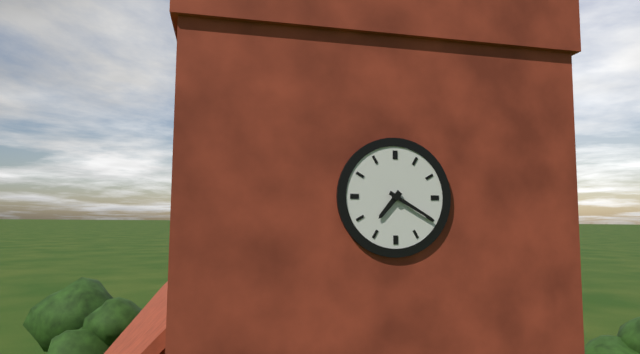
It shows {"hour": 7, "minute": 20}
